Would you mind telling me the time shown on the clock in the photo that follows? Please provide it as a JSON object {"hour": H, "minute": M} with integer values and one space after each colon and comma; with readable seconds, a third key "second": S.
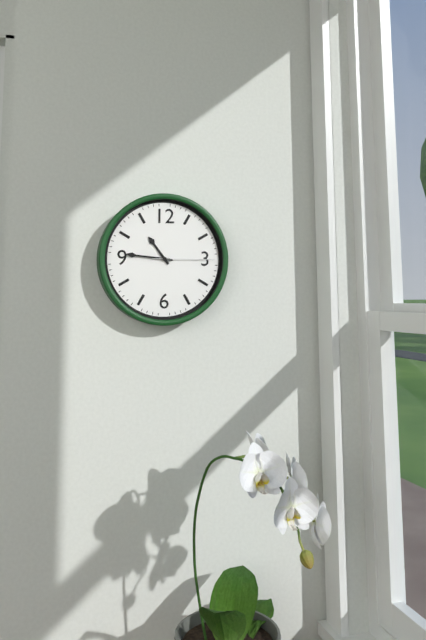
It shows {"hour": 10, "minute": 46, "second": 15}
